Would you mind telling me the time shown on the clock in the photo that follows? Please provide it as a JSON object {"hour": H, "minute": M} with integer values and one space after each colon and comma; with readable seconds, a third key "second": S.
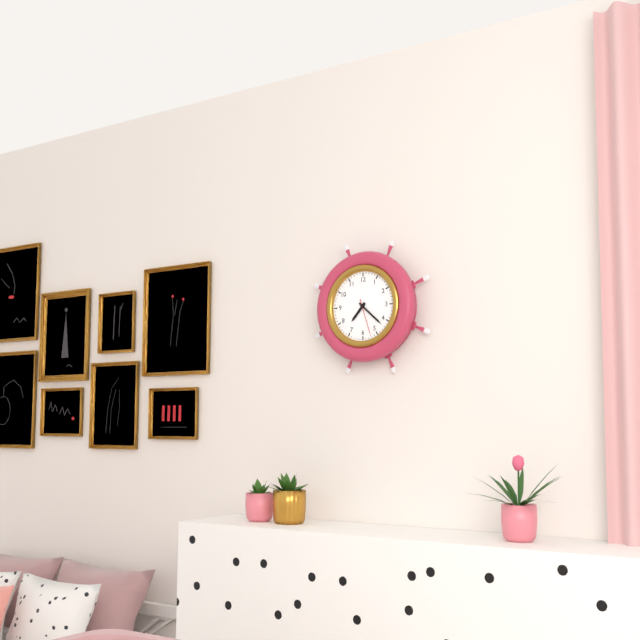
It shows {"hour": 7, "minute": 22}
